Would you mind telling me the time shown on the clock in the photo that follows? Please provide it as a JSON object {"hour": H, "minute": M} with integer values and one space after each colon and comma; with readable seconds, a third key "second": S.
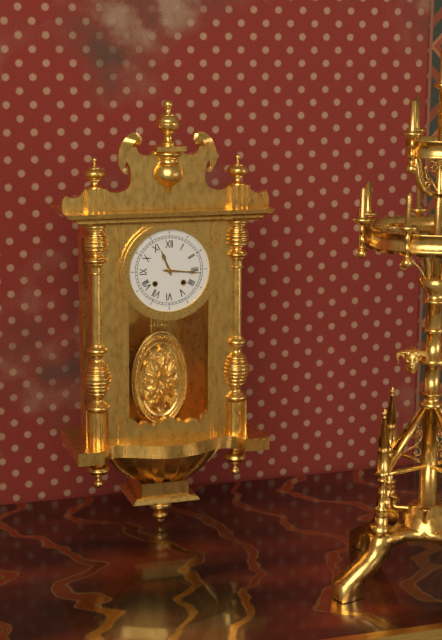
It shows {"hour": 11, "minute": 16}
